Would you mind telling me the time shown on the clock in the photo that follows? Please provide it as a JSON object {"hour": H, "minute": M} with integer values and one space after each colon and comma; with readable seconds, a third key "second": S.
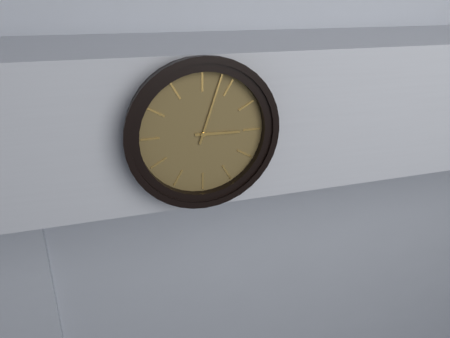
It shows {"hour": 3, "minute": 3}
